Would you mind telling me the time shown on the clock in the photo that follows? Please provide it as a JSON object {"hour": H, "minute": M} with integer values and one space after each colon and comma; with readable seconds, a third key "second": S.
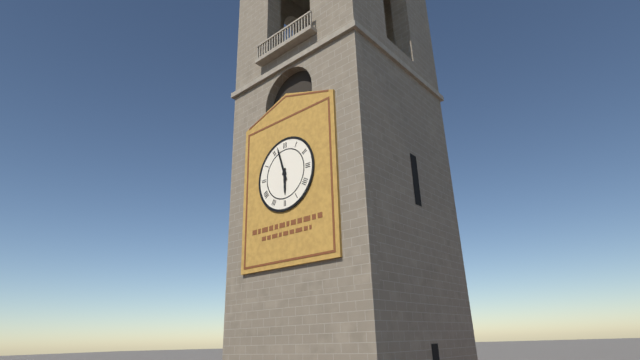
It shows {"hour": 5, "minute": 57}
